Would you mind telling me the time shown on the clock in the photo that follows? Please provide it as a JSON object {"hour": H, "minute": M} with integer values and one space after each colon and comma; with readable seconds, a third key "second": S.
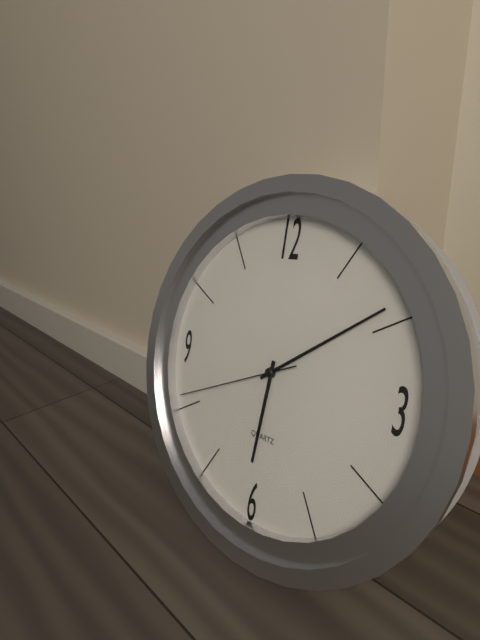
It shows {"hour": 6, "minute": 9, "second": 41}
